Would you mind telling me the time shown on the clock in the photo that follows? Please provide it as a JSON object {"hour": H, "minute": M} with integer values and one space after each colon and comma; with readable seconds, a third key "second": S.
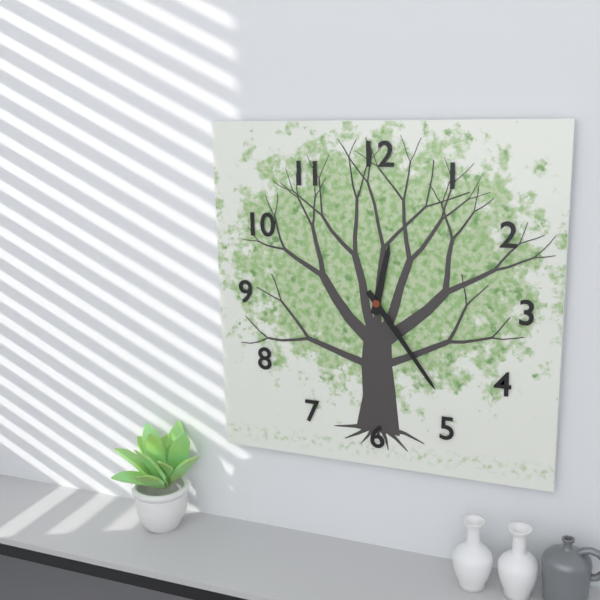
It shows {"hour": 12, "minute": 24}
